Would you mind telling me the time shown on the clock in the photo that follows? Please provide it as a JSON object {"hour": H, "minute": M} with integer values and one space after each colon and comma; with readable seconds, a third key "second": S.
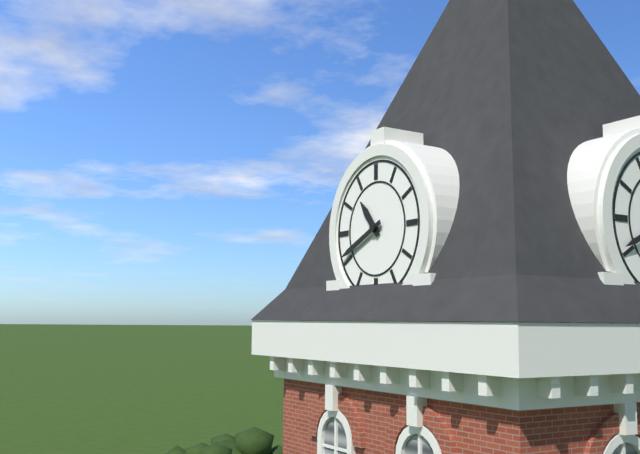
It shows {"hour": 10, "minute": 41}
